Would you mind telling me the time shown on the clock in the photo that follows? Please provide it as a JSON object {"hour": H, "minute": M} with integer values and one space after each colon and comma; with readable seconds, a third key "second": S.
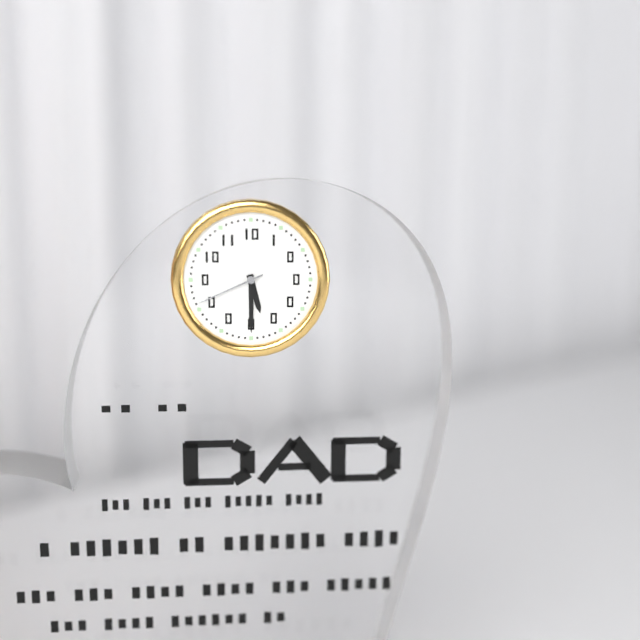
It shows {"hour": 5, "minute": 30, "second": 41}
